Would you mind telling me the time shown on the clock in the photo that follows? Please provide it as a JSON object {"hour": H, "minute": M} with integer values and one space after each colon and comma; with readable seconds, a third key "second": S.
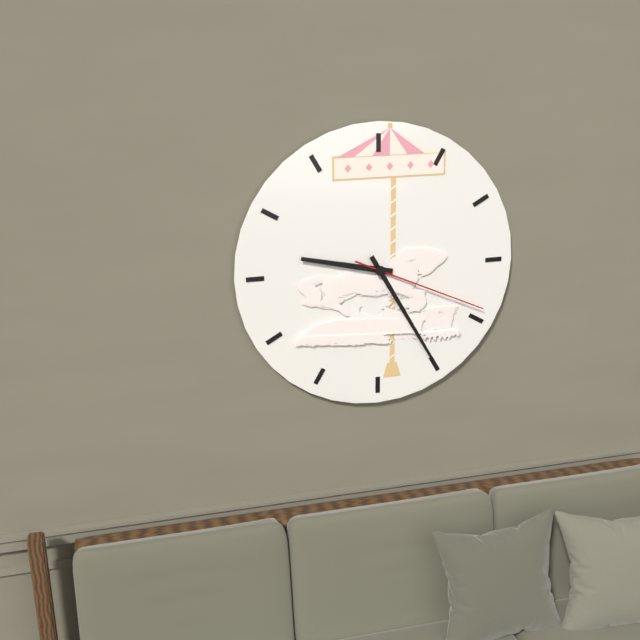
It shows {"hour": 9, "minute": 25, "second": 19}
